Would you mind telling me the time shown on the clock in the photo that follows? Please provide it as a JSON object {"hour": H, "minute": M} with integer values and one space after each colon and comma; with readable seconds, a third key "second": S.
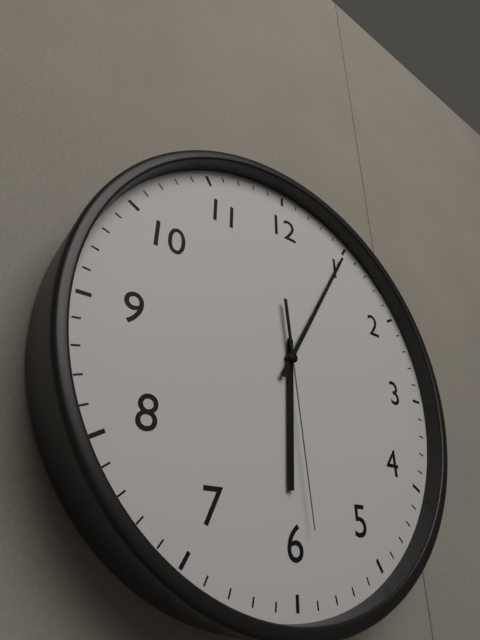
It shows {"hour": 6, "minute": 5, "second": 29}
